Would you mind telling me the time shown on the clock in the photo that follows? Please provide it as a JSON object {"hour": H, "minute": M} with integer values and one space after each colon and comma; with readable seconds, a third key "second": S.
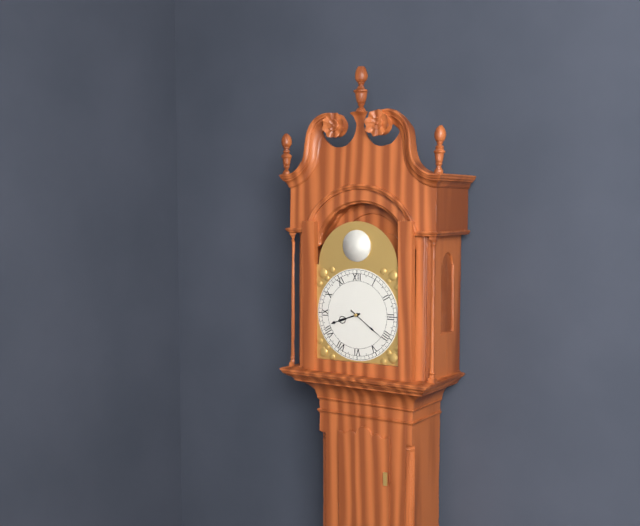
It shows {"hour": 8, "minute": 21}
